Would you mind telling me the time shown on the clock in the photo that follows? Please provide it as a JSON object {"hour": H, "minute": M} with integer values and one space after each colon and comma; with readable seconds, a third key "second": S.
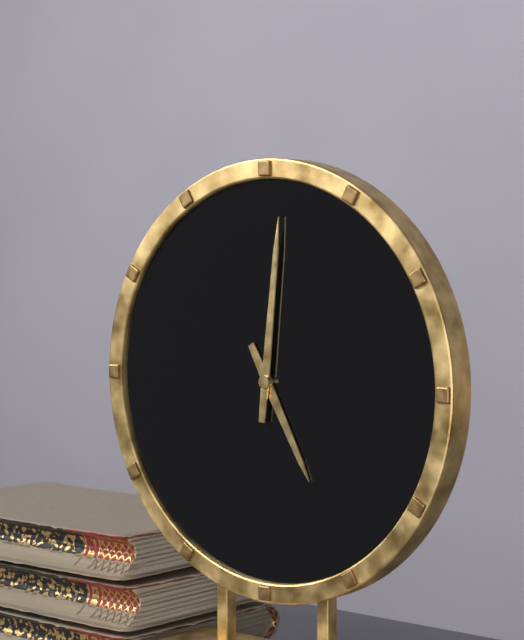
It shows {"hour": 5, "minute": 1}
